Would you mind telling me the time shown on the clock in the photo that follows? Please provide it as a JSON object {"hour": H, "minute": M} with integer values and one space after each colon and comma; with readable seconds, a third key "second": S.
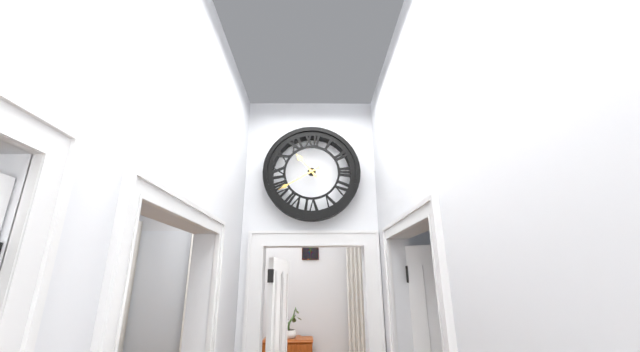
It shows {"hour": 10, "minute": 40}
